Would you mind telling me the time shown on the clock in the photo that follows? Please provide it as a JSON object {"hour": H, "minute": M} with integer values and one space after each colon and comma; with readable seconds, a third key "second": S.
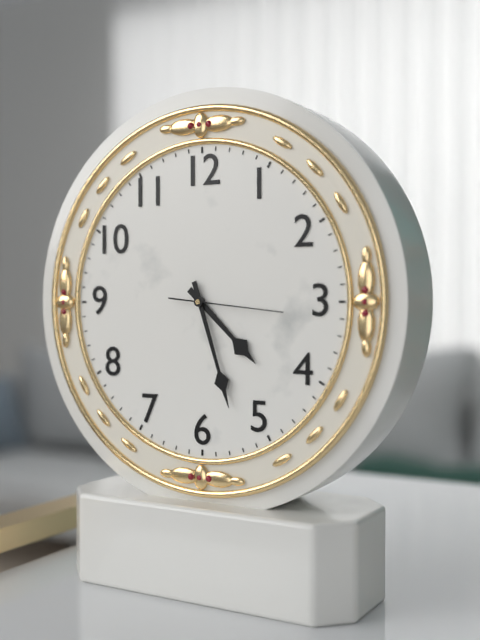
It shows {"hour": 4, "minute": 27, "second": 16}
